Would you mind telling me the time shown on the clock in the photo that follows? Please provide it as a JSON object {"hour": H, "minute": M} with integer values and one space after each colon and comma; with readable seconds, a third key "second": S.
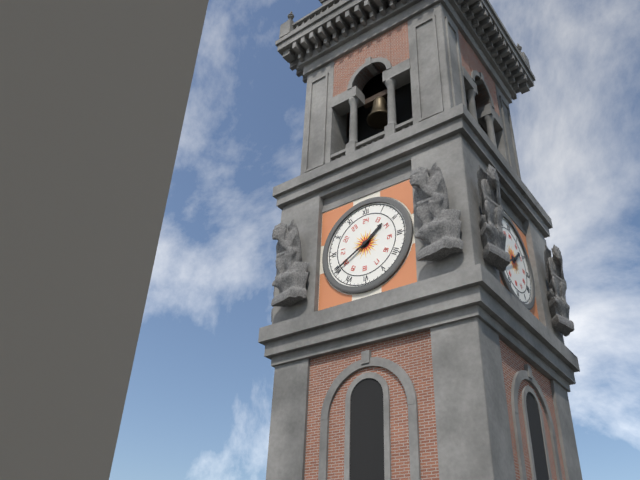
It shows {"hour": 1, "minute": 40}
